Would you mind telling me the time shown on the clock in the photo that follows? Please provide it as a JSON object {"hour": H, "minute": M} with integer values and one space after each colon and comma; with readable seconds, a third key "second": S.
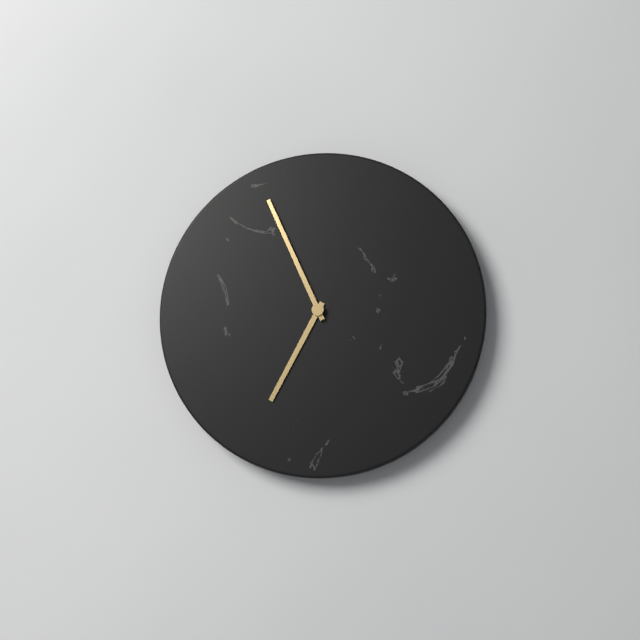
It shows {"hour": 6, "minute": 56}
